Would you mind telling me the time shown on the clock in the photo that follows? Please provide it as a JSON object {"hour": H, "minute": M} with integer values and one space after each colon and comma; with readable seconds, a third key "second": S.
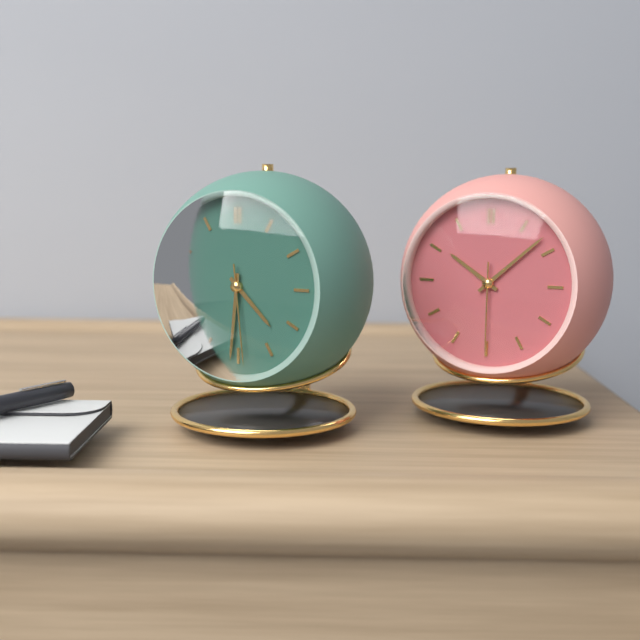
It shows {"hour": 4, "minute": 31, "second": 29}
